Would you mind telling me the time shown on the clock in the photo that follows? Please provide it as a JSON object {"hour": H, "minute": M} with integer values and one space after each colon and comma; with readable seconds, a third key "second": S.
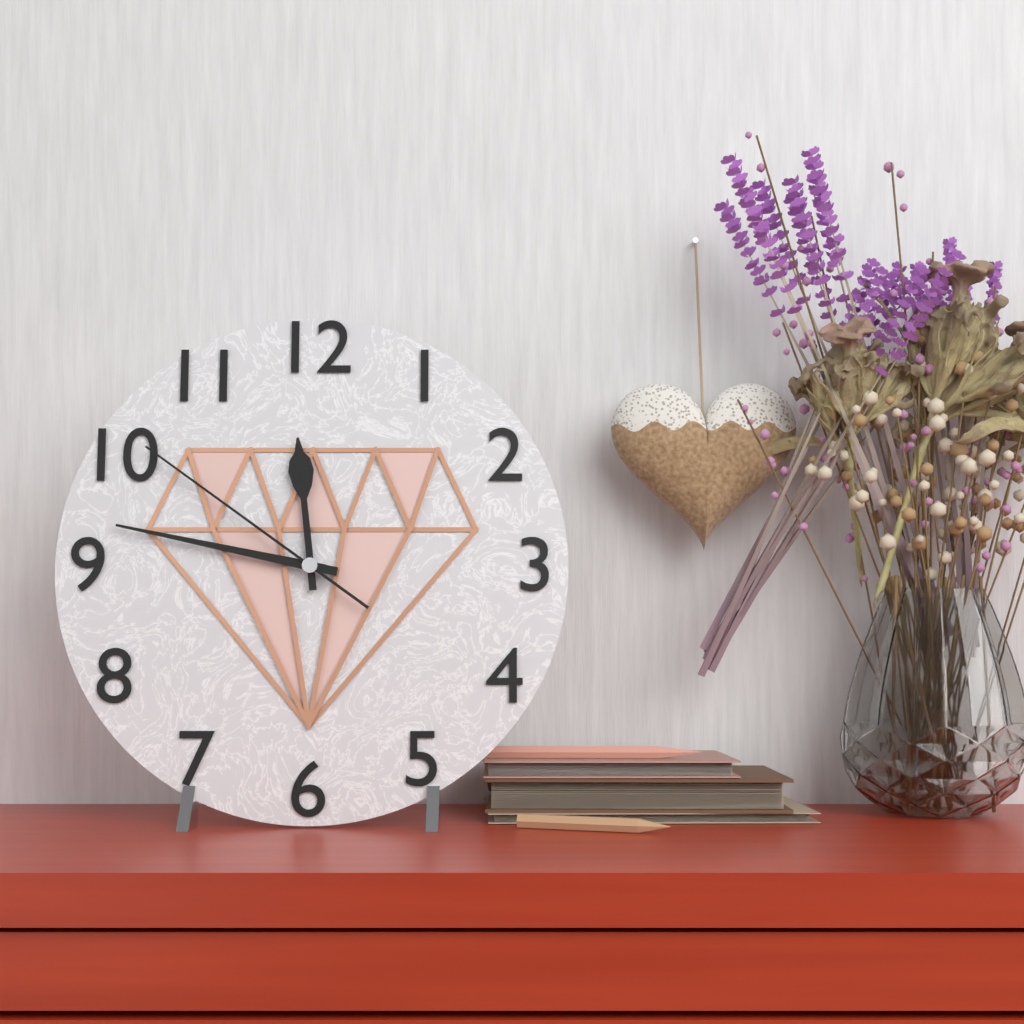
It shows {"hour": 11, "minute": 47, "second": 51}
